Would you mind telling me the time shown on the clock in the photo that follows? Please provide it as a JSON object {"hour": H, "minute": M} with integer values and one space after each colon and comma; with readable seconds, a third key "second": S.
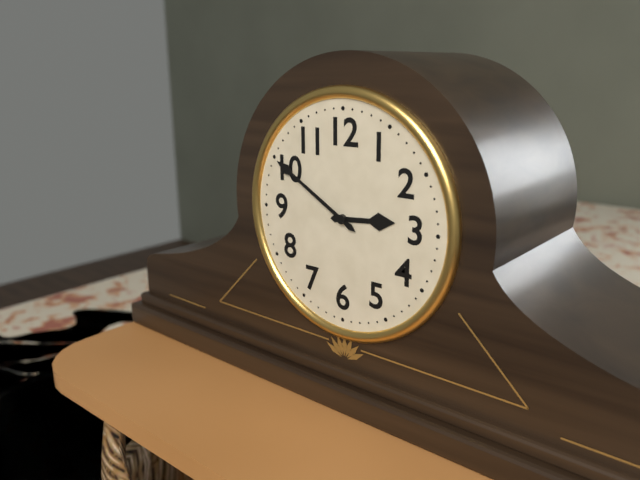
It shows {"hour": 2, "minute": 50}
